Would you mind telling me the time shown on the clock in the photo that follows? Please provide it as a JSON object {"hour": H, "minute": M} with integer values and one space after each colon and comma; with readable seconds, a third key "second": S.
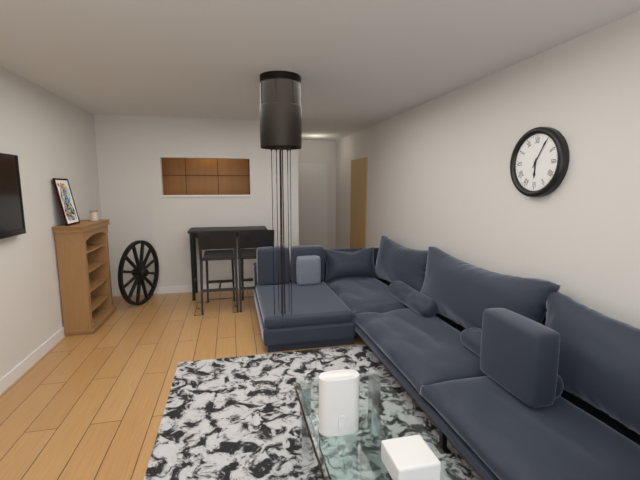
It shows {"hour": 6, "minute": 5}
